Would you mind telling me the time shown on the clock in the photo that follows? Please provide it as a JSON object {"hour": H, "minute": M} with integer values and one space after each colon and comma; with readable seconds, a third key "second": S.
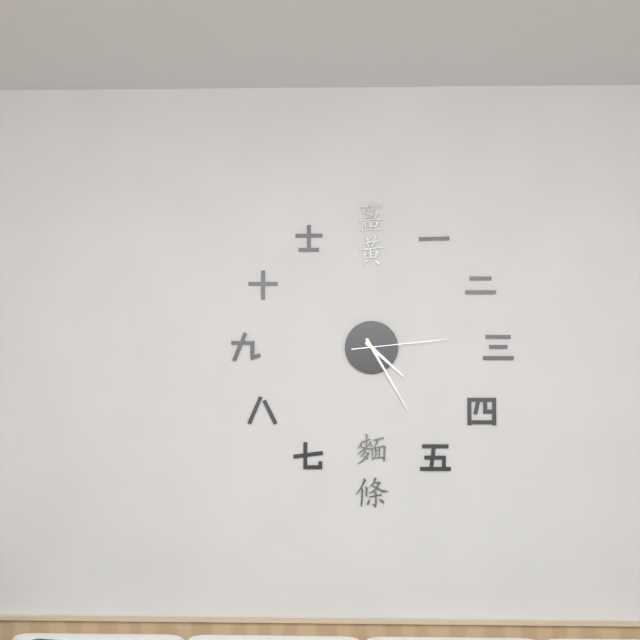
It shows {"hour": 4, "minute": 25, "second": 14}
